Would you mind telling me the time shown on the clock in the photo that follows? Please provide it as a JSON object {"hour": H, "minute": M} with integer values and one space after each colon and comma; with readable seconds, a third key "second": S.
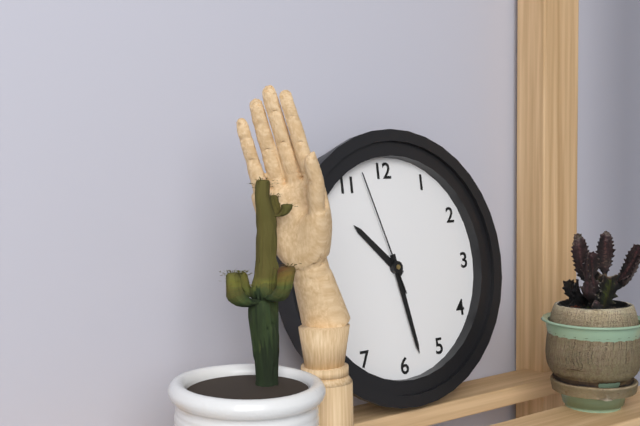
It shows {"hour": 10, "minute": 28, "second": 57}
